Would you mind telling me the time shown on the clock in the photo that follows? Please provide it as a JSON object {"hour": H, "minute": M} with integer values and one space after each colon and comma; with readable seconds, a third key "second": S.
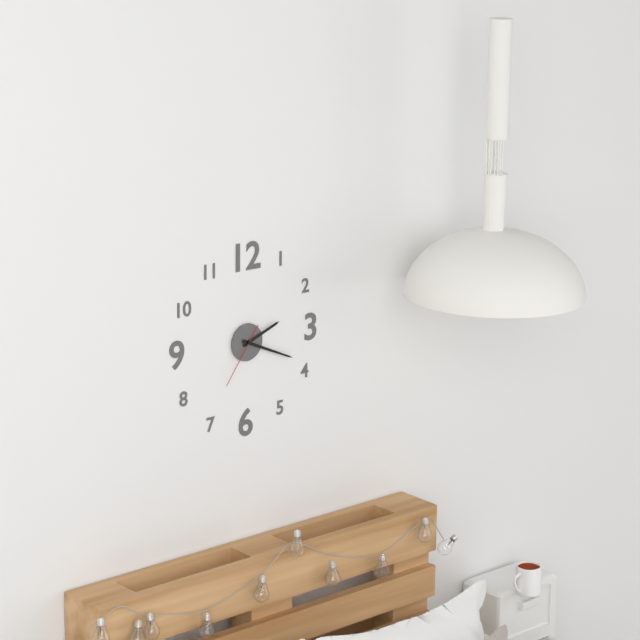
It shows {"hour": 2, "minute": 19, "second": 36}
